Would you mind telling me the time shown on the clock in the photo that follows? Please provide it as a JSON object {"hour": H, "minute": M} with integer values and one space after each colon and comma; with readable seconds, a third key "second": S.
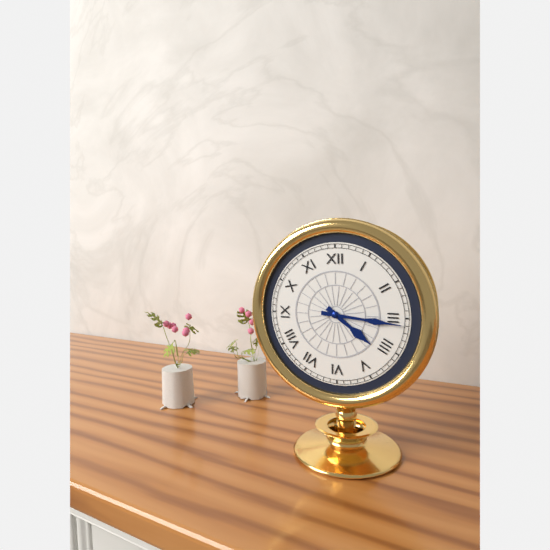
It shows {"hour": 4, "minute": 16}
